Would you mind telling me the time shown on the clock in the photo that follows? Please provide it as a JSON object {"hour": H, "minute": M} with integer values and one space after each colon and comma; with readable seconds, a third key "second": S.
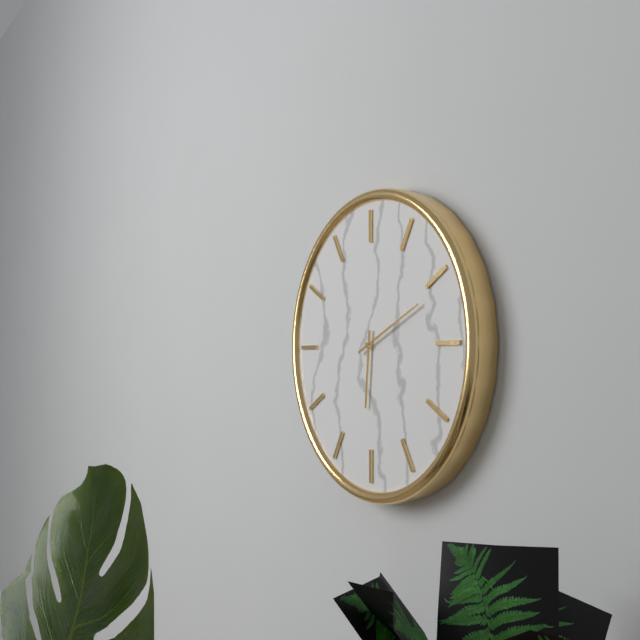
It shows {"hour": 6, "minute": 11}
